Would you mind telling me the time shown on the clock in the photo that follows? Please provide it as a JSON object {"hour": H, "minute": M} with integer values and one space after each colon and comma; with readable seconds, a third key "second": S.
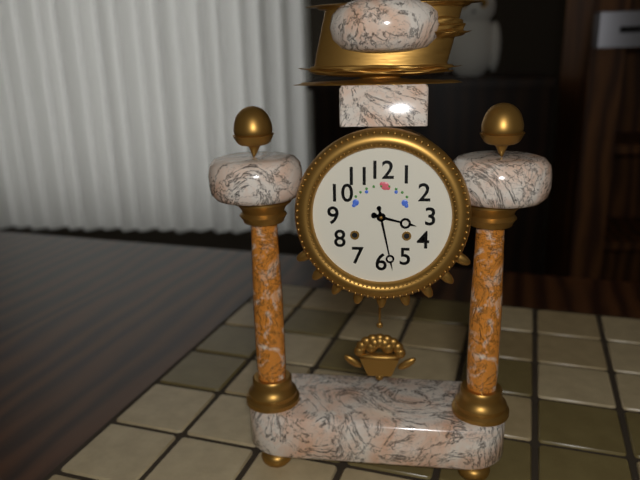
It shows {"hour": 3, "minute": 28}
